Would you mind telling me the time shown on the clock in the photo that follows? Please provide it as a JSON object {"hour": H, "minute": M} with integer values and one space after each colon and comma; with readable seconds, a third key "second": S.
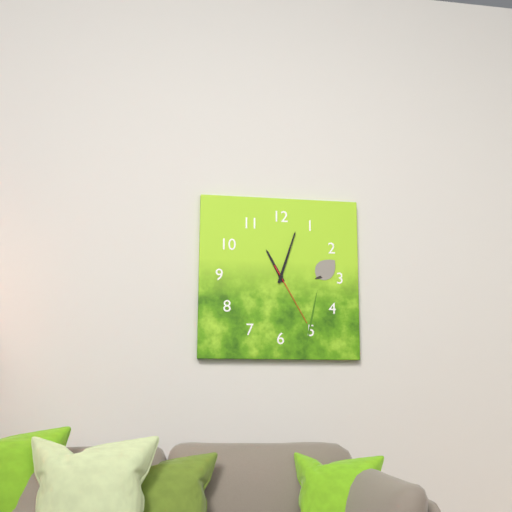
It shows {"hour": 11, "minute": 3, "second": 25}
